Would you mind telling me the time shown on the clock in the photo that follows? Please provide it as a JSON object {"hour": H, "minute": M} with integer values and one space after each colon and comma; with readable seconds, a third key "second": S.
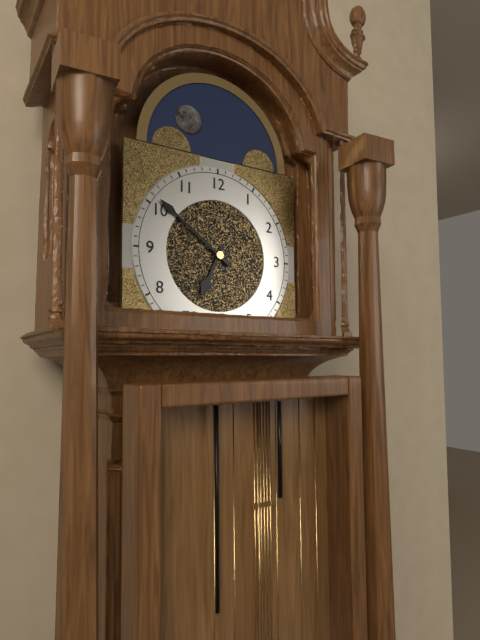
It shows {"hour": 6, "minute": 51}
